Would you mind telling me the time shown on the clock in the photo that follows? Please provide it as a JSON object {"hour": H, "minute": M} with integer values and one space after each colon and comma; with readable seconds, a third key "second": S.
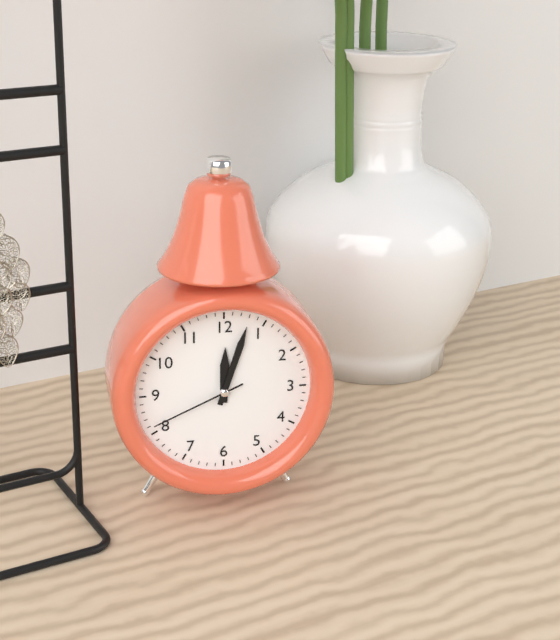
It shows {"hour": 12, "minute": 3, "second": 41}
